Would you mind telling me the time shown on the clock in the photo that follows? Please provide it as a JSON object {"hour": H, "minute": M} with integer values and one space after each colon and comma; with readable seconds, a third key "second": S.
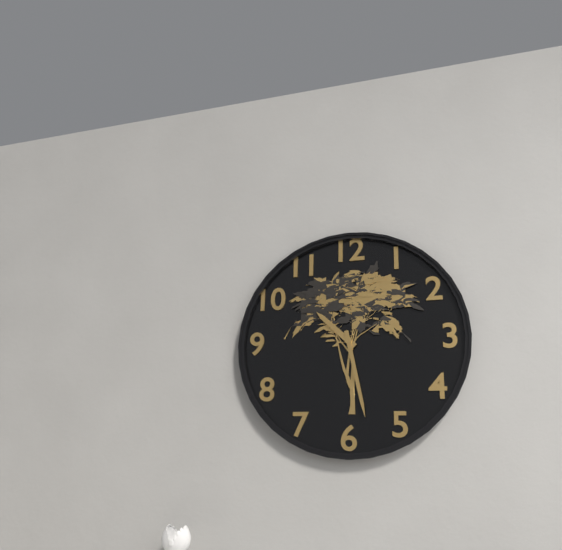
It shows {"hour": 10, "minute": 28}
